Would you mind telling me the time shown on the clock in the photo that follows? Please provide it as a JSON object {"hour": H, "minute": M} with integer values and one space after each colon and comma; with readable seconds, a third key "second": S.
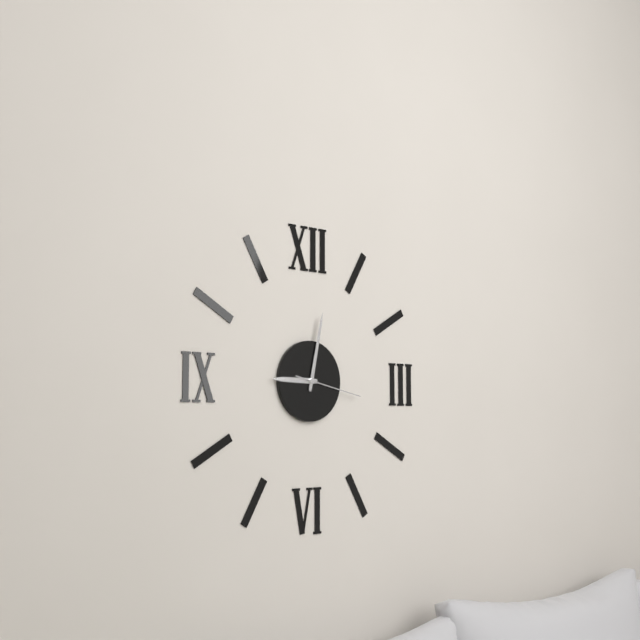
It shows {"hour": 9, "minute": 2, "second": 17}
